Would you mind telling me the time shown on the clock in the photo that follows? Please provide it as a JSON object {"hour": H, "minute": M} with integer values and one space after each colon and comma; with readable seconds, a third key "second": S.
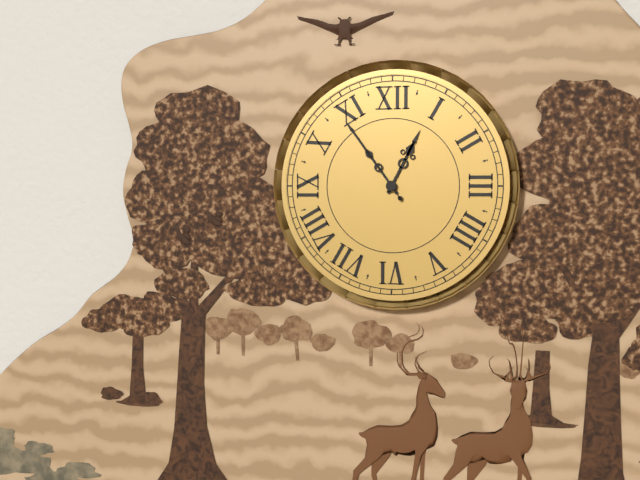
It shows {"hour": 12, "minute": 54, "second": 54}
